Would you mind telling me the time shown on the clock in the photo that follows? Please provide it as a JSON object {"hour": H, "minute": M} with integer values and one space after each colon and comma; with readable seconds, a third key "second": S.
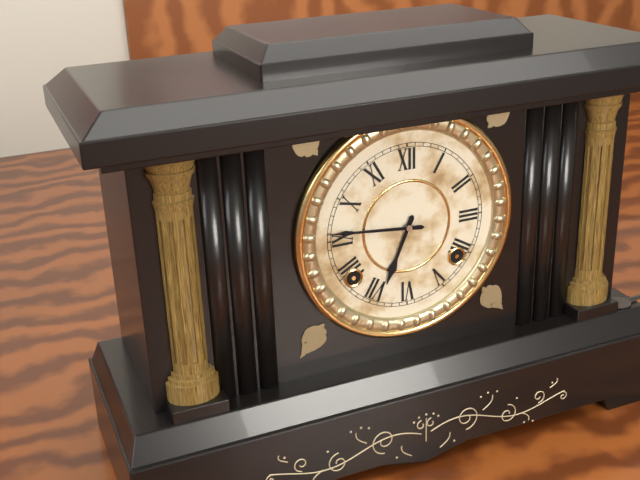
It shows {"hour": 6, "minute": 46}
